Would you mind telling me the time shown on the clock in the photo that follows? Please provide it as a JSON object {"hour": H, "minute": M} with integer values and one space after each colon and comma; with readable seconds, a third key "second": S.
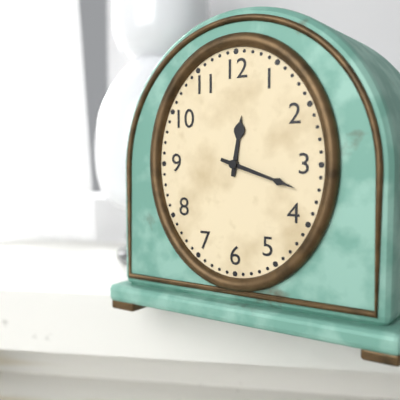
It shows {"hour": 12, "minute": 18}
